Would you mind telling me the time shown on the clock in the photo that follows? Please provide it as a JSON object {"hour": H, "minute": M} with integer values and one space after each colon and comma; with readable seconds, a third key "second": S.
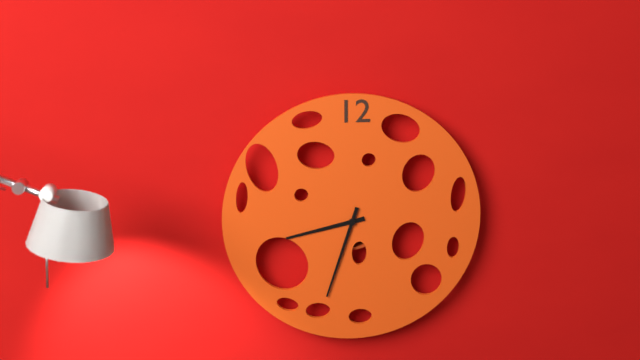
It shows {"hour": 8, "minute": 33}
